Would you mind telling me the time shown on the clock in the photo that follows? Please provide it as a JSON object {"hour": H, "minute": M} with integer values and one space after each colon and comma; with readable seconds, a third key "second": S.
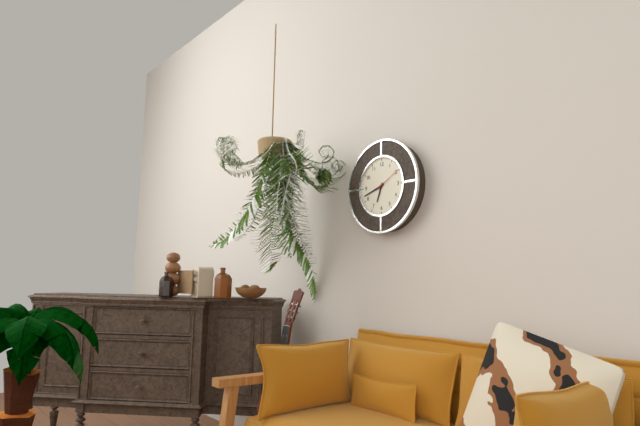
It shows {"hour": 6, "minute": 42}
